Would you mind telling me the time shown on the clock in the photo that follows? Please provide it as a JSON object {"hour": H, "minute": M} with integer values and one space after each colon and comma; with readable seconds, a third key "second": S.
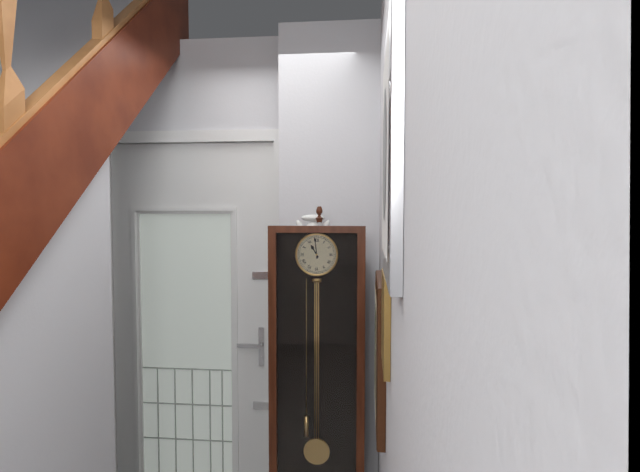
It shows {"hour": 10, "minute": 59}
